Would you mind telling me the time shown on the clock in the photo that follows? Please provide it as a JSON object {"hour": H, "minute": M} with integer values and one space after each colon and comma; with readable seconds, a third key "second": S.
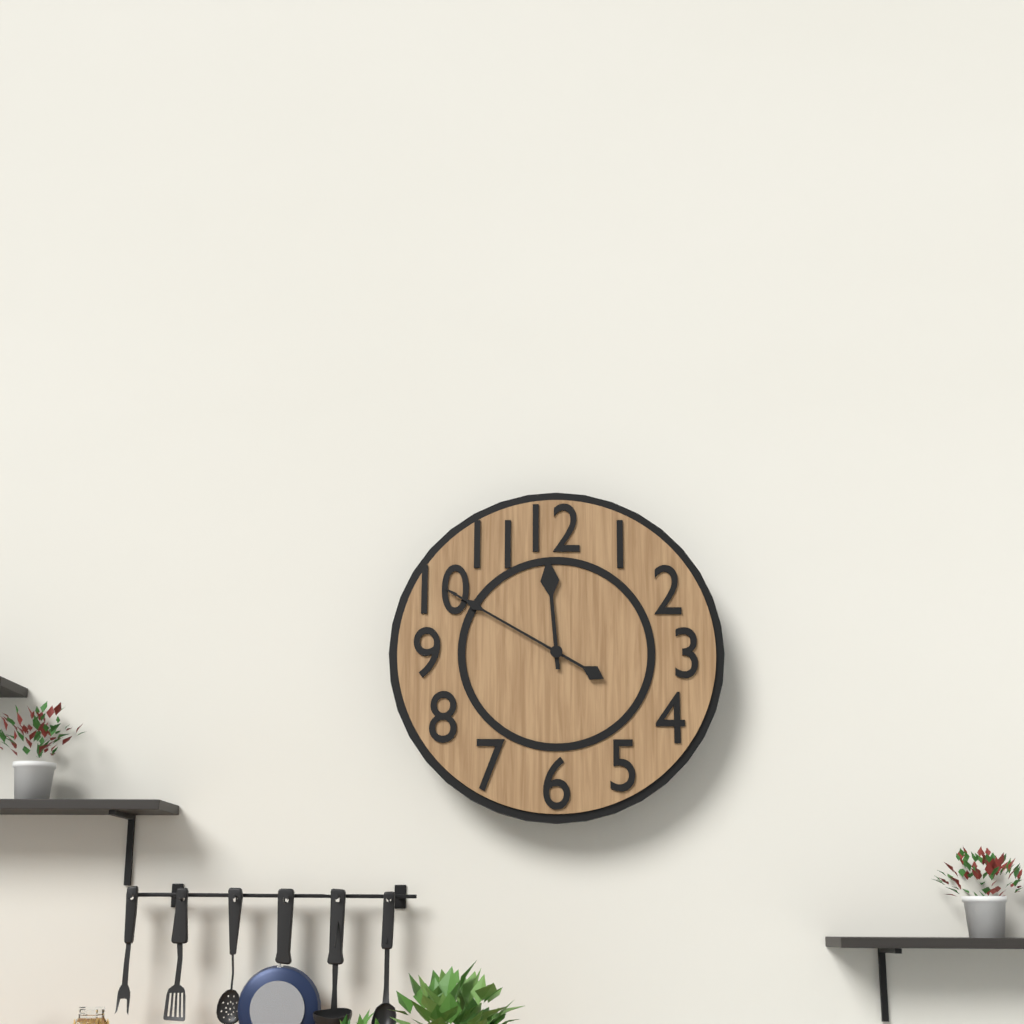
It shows {"hour": 11, "minute": 50}
